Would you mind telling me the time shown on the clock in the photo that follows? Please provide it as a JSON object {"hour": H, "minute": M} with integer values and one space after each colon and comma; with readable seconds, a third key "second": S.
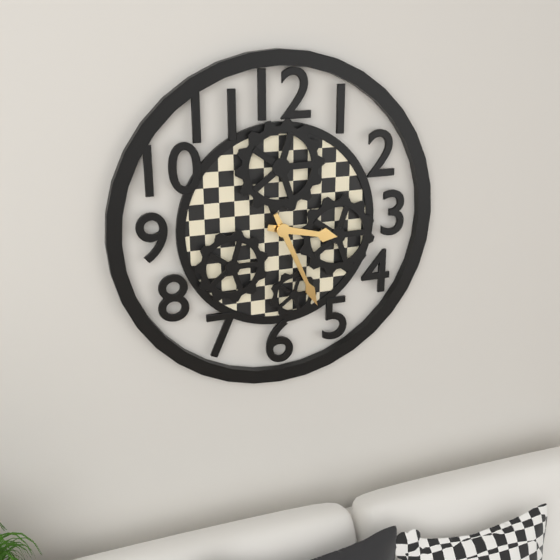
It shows {"hour": 3, "minute": 26}
